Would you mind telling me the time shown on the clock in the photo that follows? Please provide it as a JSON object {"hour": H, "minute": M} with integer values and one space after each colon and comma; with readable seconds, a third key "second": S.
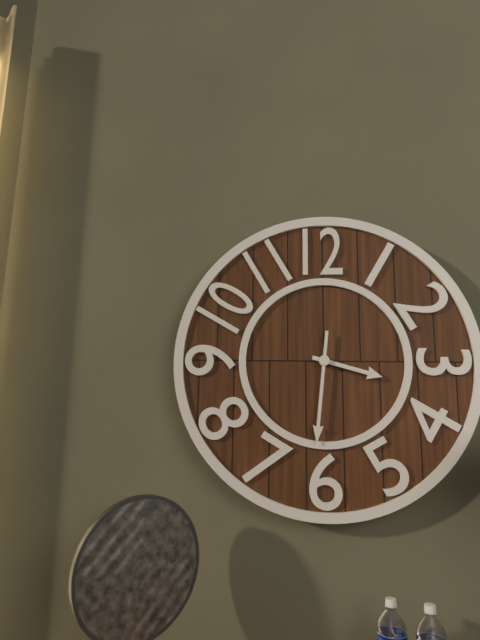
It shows {"hour": 3, "minute": 31}
